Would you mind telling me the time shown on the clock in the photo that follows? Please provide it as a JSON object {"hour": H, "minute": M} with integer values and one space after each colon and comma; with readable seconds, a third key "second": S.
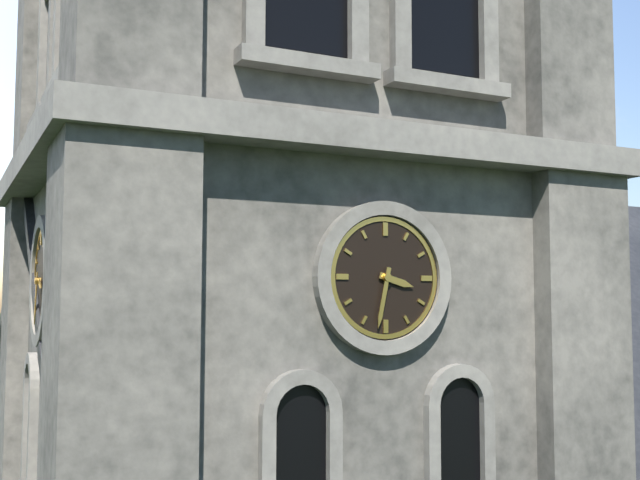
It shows {"hour": 3, "minute": 32}
